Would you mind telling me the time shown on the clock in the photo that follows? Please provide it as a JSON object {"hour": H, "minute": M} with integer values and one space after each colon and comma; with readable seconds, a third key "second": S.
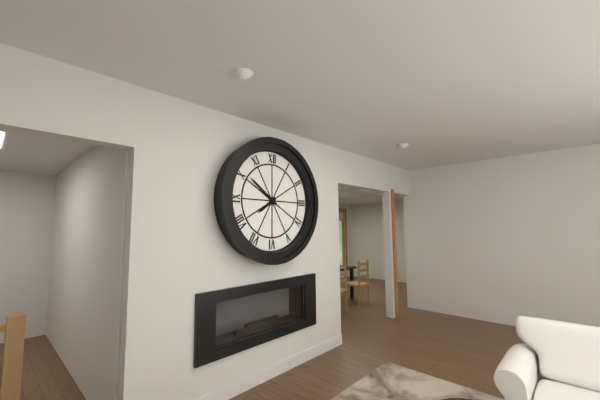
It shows {"hour": 7, "minute": 51}
